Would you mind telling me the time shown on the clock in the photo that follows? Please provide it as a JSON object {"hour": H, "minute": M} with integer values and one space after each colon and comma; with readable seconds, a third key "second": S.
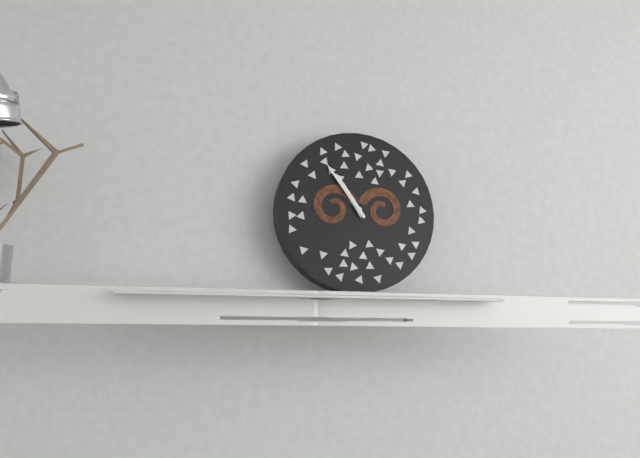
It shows {"hour": 10, "minute": 54}
